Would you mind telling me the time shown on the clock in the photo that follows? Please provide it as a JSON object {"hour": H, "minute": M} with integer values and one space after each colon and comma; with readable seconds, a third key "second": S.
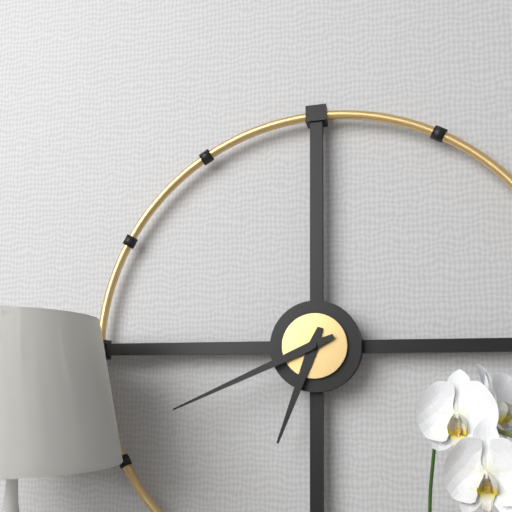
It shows {"hour": 6, "minute": 41}
